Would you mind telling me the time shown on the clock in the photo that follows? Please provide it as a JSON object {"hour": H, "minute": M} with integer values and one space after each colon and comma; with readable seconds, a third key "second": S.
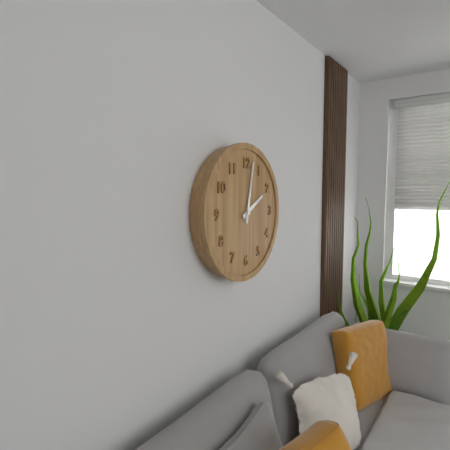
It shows {"hour": 2, "minute": 2}
